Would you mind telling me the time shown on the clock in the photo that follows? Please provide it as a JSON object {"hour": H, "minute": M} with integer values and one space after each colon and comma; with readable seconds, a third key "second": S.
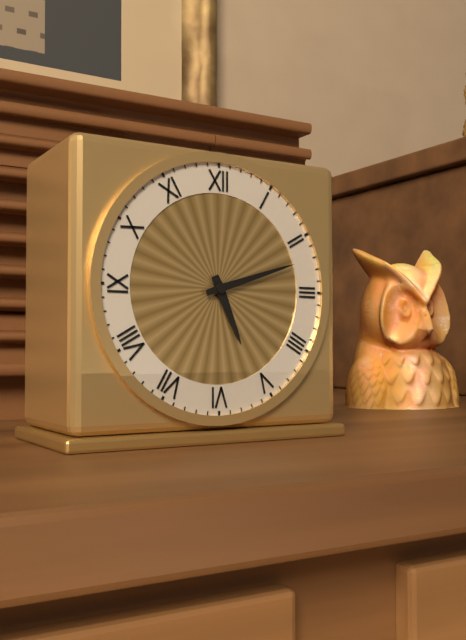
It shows {"hour": 5, "minute": 12}
